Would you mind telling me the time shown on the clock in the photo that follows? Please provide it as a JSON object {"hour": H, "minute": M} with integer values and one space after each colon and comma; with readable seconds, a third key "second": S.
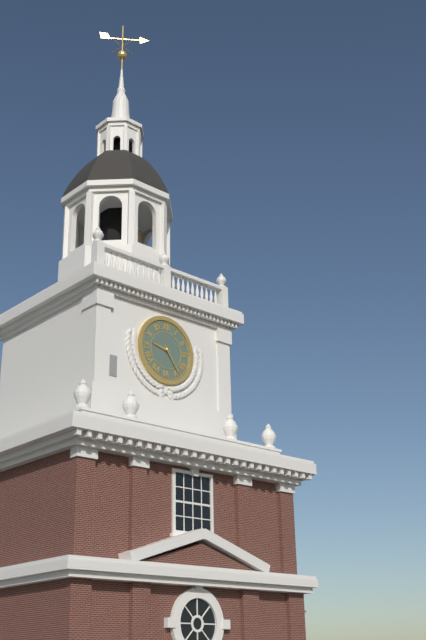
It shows {"hour": 9, "minute": 24}
